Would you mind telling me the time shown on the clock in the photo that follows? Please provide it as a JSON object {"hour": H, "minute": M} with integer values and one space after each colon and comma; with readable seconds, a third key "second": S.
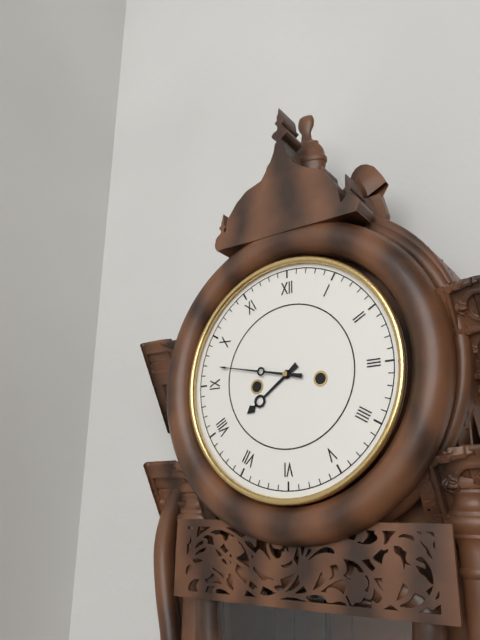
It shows {"hour": 7, "minute": 47}
